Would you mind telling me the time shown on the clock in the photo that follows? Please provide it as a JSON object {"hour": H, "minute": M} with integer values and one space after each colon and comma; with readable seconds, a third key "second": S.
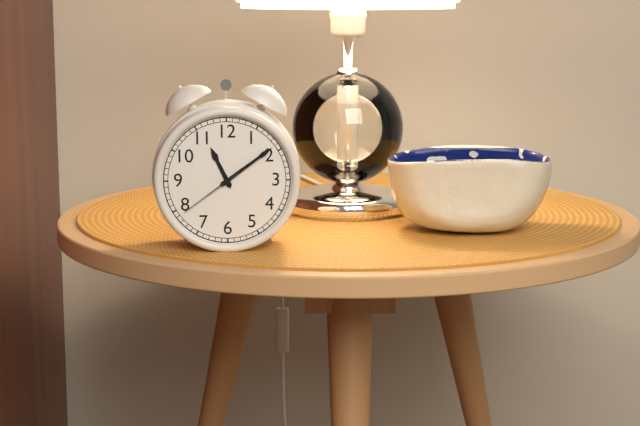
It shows {"hour": 11, "minute": 9, "second": 39}
